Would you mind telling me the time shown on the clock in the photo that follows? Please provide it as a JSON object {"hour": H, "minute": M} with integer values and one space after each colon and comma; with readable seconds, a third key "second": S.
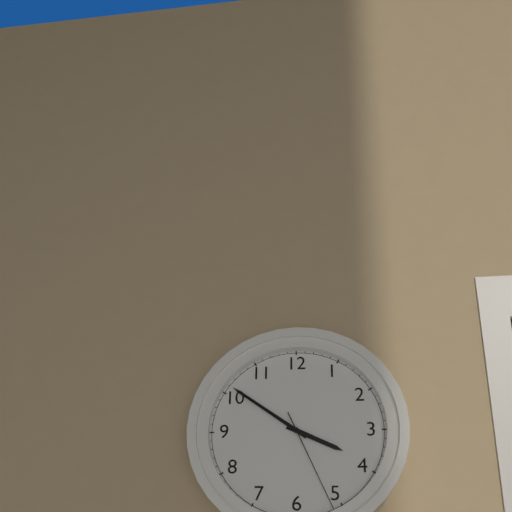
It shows {"hour": 3, "minute": 51, "second": 26}
